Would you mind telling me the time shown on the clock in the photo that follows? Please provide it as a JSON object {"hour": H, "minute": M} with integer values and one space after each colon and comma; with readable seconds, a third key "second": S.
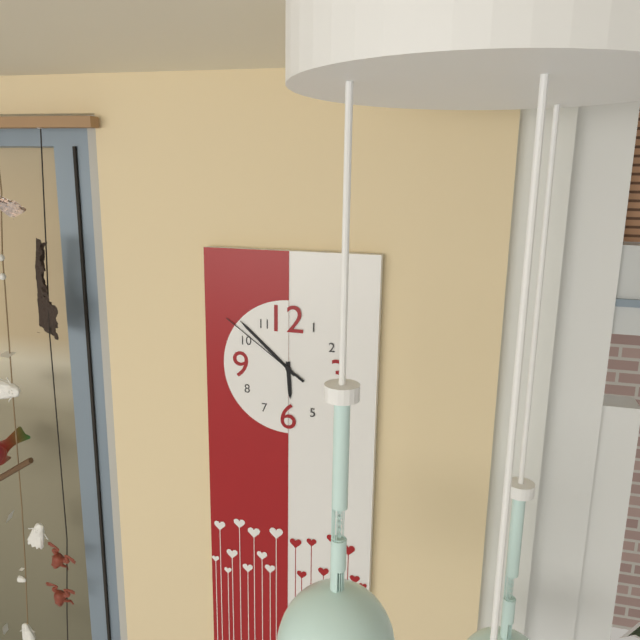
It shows {"hour": 5, "minute": 52, "second": 51}
